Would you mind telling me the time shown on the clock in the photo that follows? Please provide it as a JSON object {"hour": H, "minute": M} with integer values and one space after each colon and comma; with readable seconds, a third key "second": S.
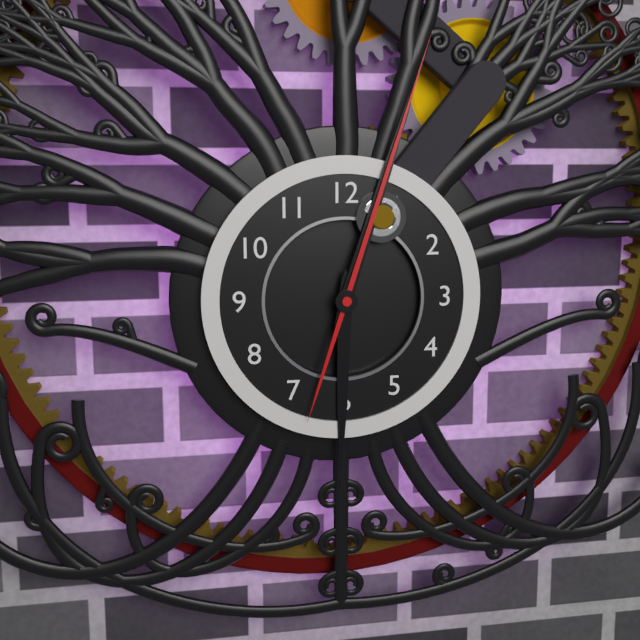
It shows {"hour": 6, "minute": 3, "second": 3}
